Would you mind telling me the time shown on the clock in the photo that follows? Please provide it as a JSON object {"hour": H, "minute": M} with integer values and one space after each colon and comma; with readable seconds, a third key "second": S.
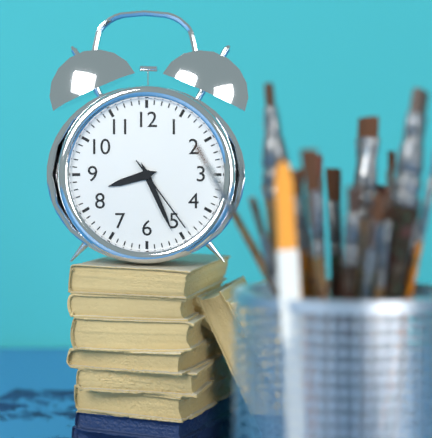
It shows {"hour": 8, "minute": 26, "second": 24}
